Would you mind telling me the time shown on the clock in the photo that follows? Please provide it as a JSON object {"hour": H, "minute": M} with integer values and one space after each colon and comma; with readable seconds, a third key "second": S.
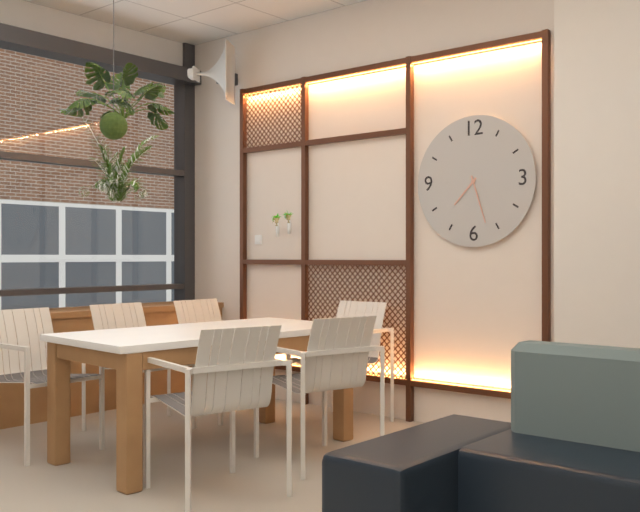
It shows {"hour": 7, "minute": 27}
